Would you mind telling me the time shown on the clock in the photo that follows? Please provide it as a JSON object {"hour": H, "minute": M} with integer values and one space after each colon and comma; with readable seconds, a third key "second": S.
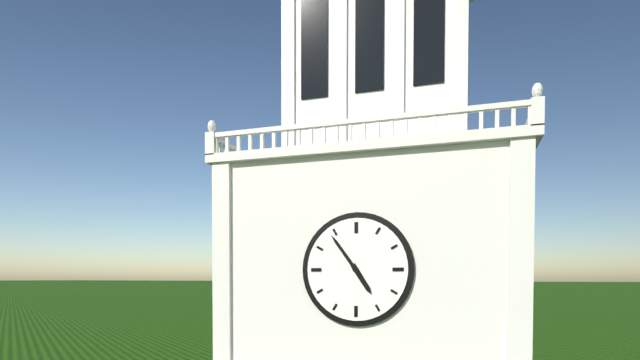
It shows {"hour": 4, "minute": 54}
